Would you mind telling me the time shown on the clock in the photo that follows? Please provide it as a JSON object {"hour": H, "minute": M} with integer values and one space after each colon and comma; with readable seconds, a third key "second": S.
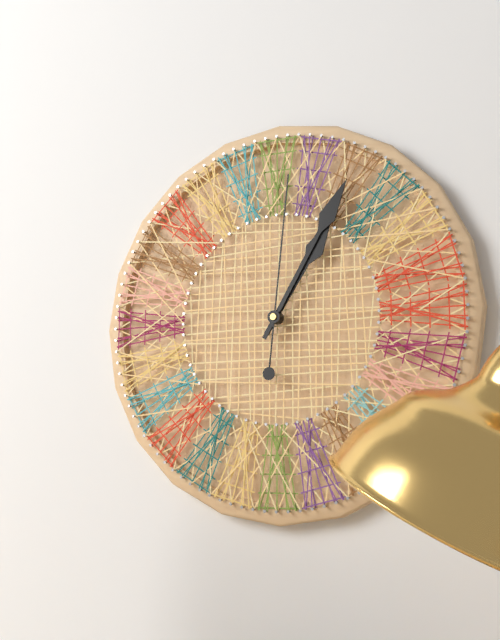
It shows {"hour": 1, "minute": 5, "second": 1}
